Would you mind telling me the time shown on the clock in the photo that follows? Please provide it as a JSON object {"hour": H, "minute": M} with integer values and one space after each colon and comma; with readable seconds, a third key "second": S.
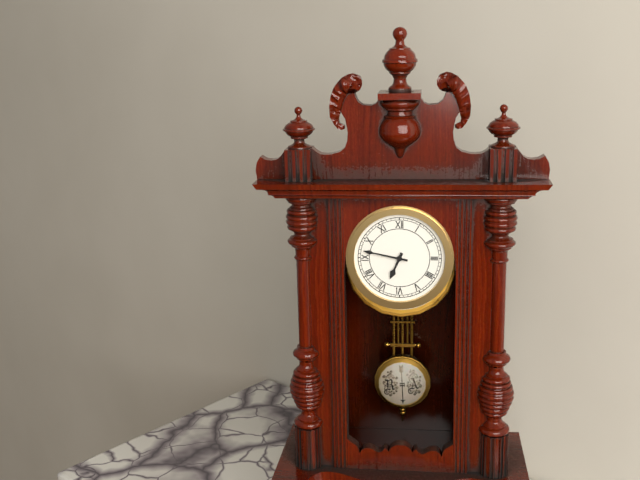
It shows {"hour": 6, "minute": 47}
